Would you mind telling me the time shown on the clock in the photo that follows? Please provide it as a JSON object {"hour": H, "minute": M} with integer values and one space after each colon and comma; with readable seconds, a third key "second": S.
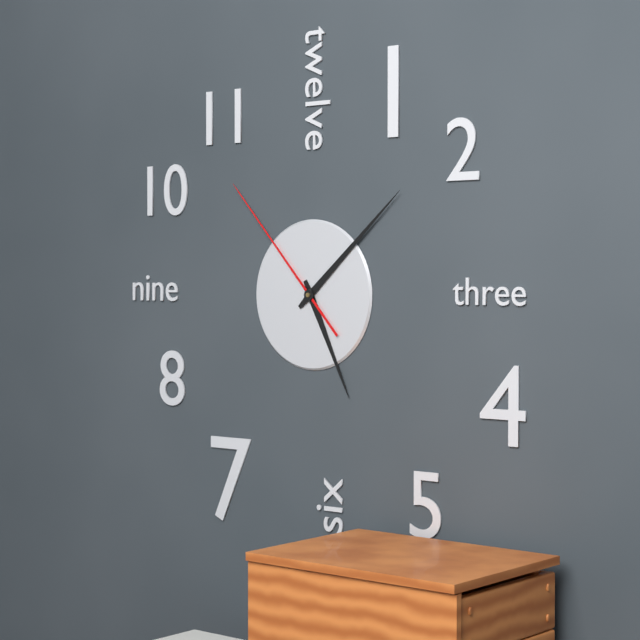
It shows {"hour": 5, "minute": 8, "second": 53}
